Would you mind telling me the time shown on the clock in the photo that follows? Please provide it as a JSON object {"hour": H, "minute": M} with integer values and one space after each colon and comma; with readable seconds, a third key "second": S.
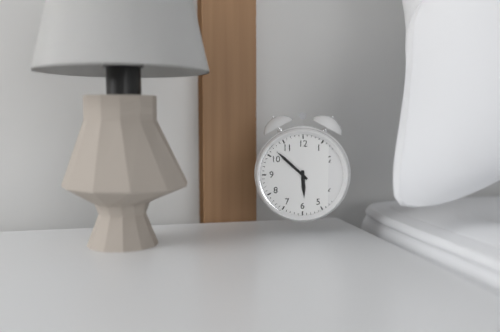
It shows {"hour": 5, "minute": 52}
